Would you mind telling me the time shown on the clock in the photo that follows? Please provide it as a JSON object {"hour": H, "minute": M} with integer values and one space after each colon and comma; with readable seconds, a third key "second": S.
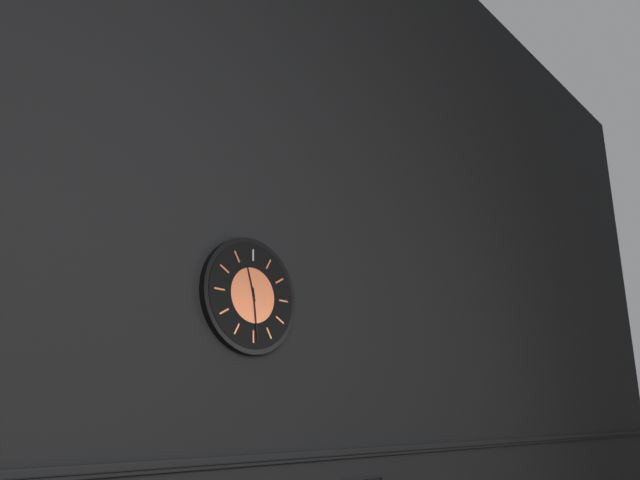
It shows {"hour": 11, "minute": 29}
